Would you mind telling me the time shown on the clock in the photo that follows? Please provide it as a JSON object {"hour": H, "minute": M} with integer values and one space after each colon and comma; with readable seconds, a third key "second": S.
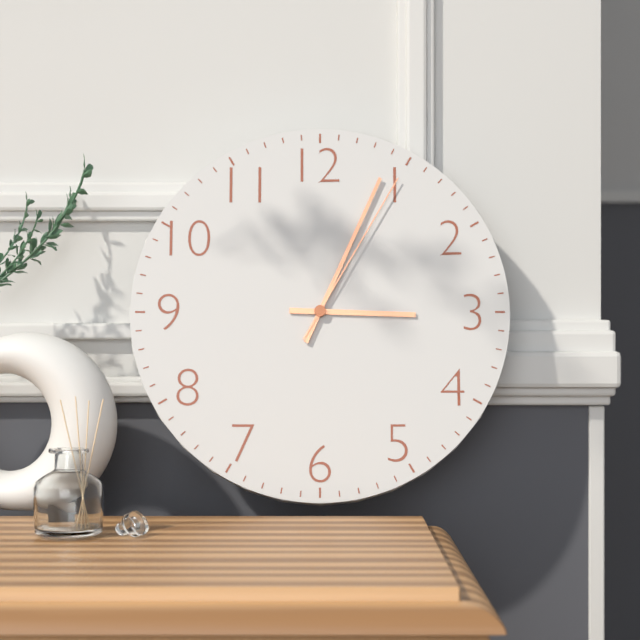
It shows {"hour": 3, "minute": 4, "second": 5}
